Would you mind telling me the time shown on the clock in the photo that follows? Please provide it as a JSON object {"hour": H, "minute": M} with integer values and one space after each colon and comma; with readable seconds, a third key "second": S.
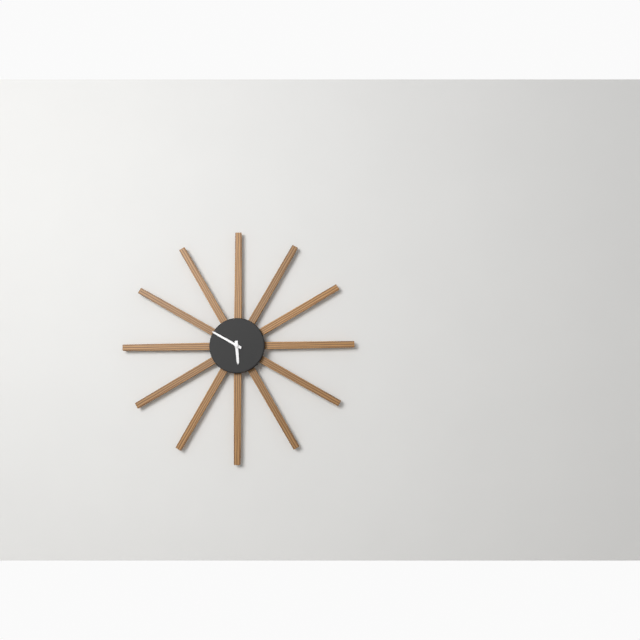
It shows {"hour": 5, "minute": 50}
